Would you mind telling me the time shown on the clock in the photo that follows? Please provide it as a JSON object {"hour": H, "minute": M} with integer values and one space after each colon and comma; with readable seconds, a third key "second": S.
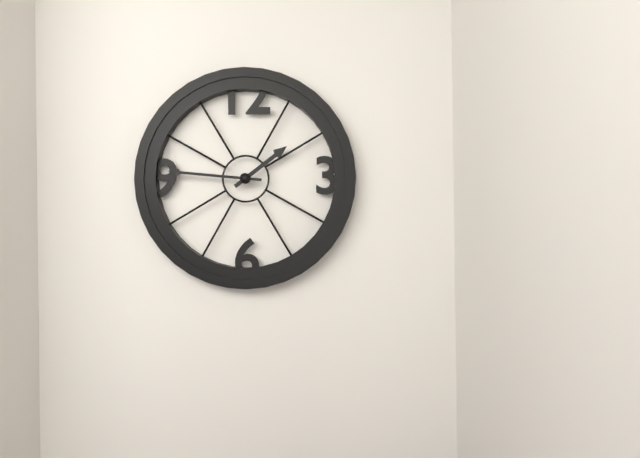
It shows {"hour": 1, "minute": 46}
